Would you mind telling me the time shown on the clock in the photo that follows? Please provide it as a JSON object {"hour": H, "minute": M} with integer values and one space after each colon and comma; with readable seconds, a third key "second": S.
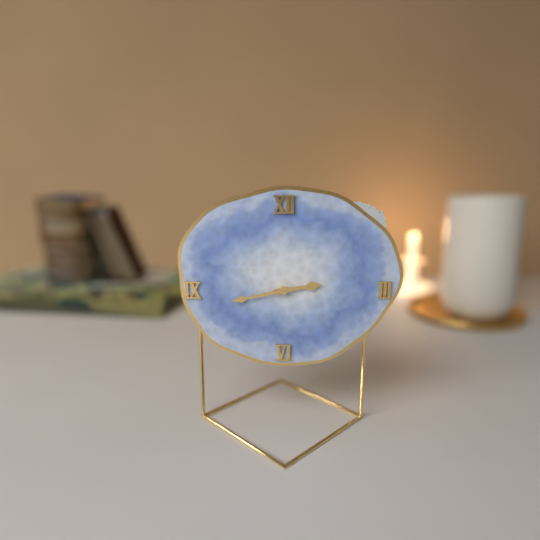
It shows {"hour": 2, "minute": 43}
